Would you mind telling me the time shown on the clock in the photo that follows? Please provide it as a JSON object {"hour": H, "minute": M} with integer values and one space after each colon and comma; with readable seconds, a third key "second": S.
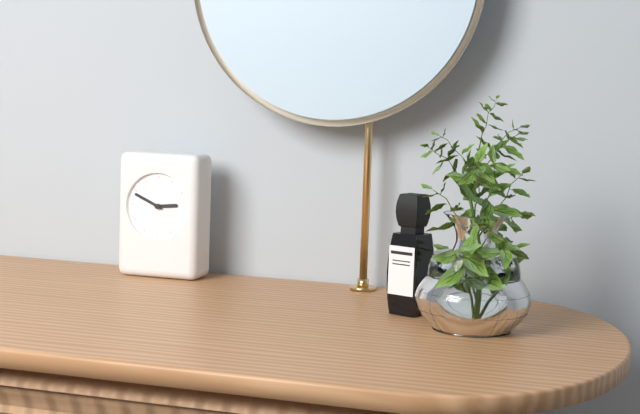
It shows {"hour": 2, "minute": 49}
